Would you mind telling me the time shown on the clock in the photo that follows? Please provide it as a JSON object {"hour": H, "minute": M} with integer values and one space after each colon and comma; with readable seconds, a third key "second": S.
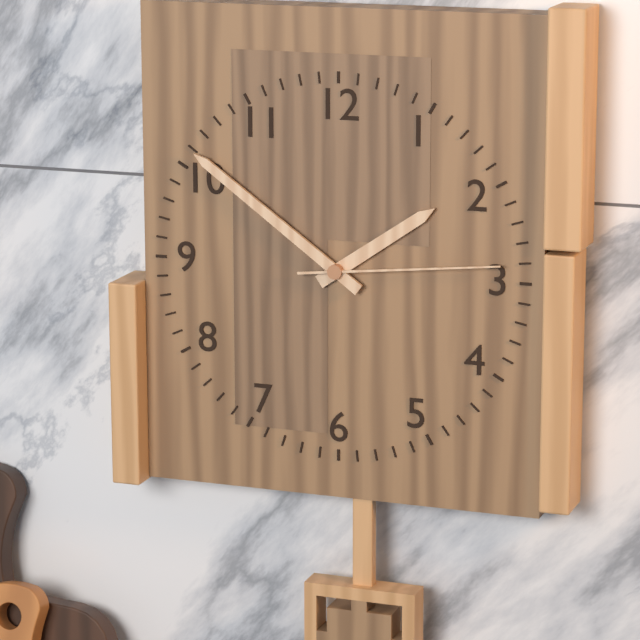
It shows {"hour": 1, "minute": 51, "second": 14}
